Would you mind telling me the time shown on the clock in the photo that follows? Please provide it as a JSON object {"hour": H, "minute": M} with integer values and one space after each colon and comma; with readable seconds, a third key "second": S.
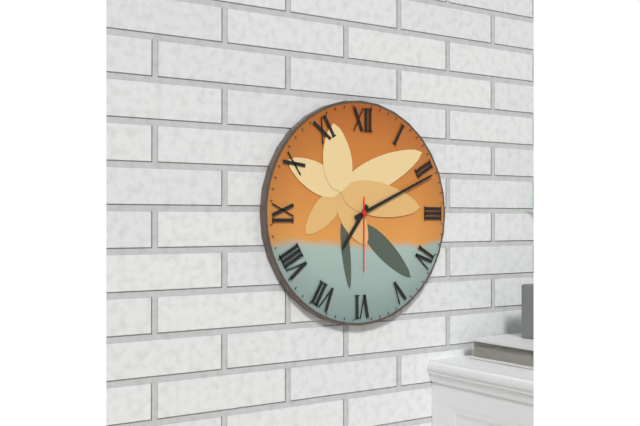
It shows {"hour": 7, "minute": 11, "second": 30}
